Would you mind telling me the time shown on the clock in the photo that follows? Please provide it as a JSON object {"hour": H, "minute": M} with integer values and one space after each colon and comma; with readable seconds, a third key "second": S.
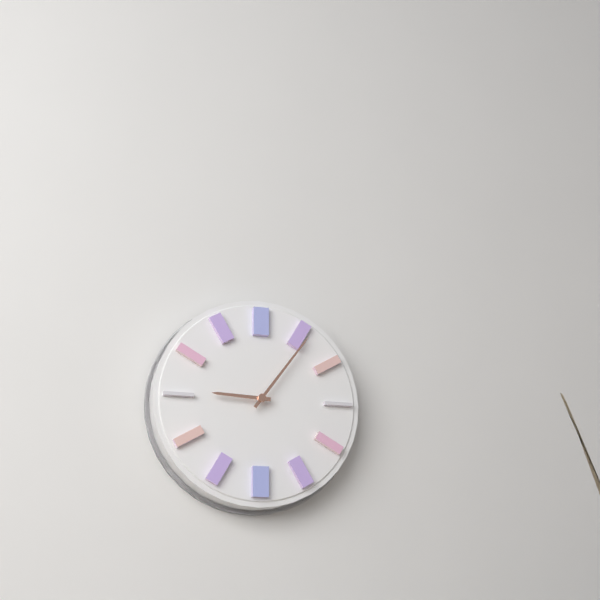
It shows {"hour": 9, "minute": 6}
